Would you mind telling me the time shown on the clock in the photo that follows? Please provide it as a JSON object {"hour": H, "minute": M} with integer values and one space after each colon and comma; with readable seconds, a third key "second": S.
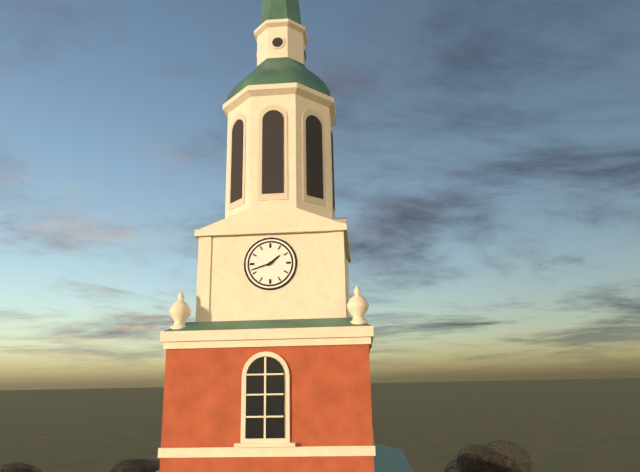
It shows {"hour": 1, "minute": 42}
